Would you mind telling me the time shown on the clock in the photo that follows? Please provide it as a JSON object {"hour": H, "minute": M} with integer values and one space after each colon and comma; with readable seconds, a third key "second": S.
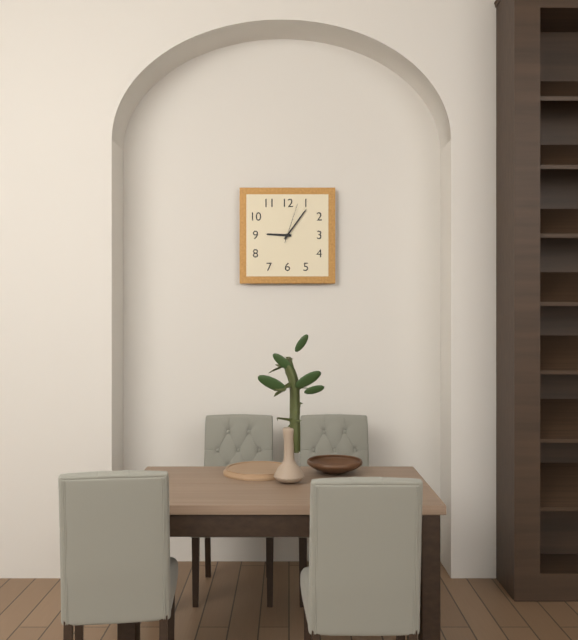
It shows {"hour": 9, "minute": 6}
